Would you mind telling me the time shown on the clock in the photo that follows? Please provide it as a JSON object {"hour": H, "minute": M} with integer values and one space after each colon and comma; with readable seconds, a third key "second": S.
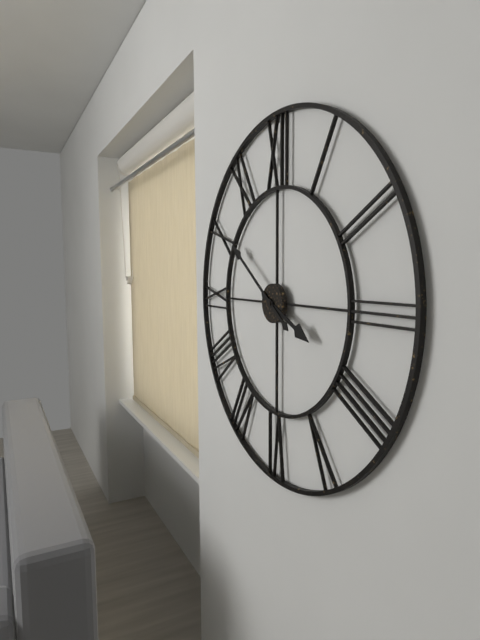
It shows {"hour": 3, "minute": 51}
